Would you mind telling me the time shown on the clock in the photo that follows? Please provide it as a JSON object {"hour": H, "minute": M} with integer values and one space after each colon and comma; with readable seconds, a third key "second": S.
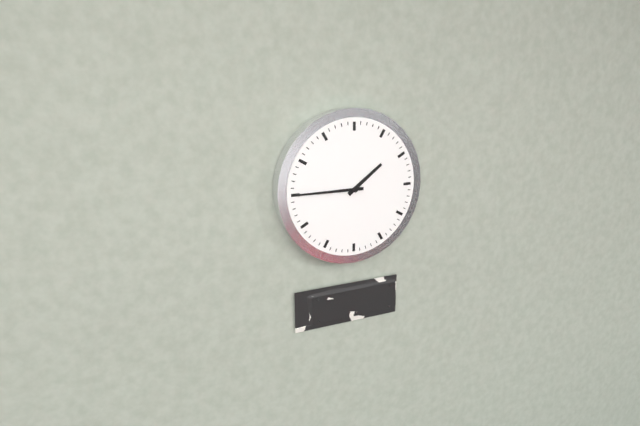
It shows {"hour": 1, "minute": 45}
